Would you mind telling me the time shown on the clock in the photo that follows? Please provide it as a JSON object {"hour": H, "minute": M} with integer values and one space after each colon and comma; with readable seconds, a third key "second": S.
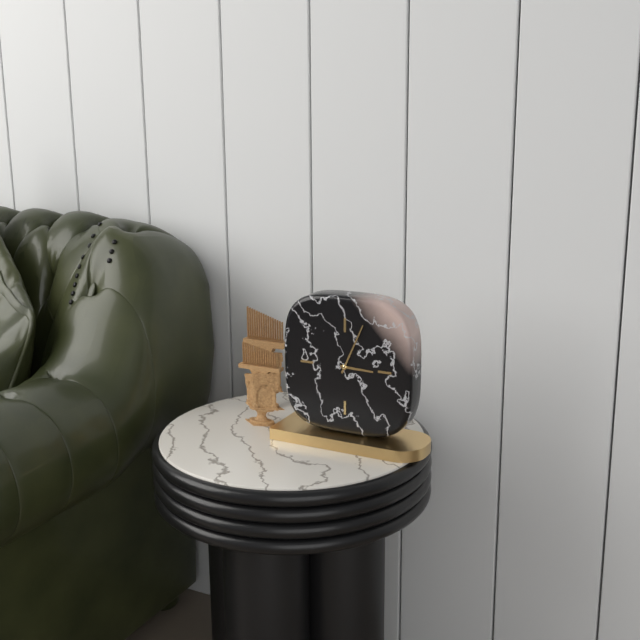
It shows {"hour": 3, "minute": 4}
